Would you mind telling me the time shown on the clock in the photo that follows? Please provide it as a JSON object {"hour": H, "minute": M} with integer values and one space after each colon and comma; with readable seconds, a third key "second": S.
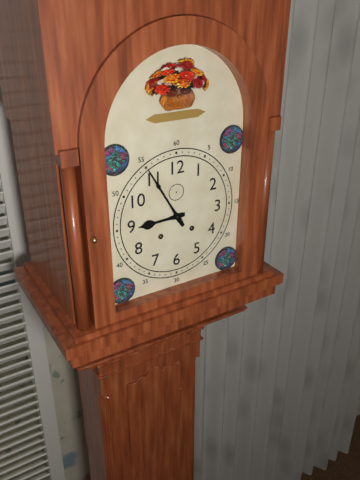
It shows {"hour": 8, "minute": 55}
